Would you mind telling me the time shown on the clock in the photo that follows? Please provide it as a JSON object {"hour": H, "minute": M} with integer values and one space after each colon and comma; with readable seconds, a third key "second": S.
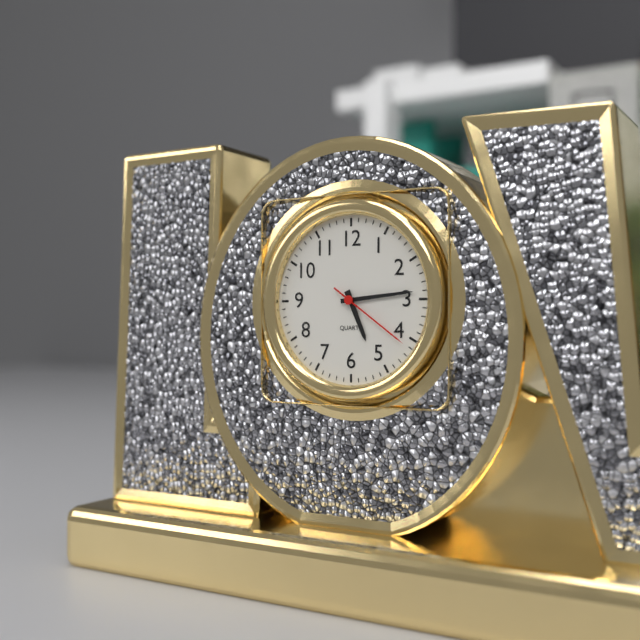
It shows {"hour": 5, "minute": 14, "second": 21}
